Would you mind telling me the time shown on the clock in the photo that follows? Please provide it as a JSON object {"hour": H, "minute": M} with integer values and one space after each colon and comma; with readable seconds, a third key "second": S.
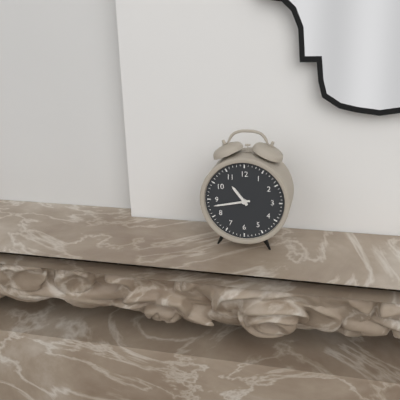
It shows {"hour": 10, "minute": 43}
